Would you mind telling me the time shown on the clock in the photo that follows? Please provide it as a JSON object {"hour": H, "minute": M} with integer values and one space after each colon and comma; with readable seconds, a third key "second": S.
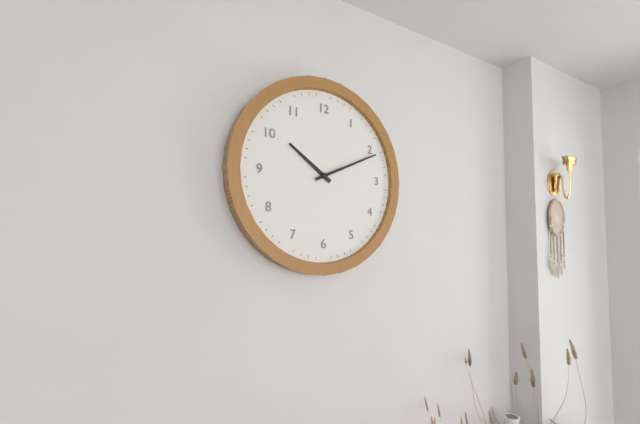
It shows {"hour": 10, "minute": 11}
